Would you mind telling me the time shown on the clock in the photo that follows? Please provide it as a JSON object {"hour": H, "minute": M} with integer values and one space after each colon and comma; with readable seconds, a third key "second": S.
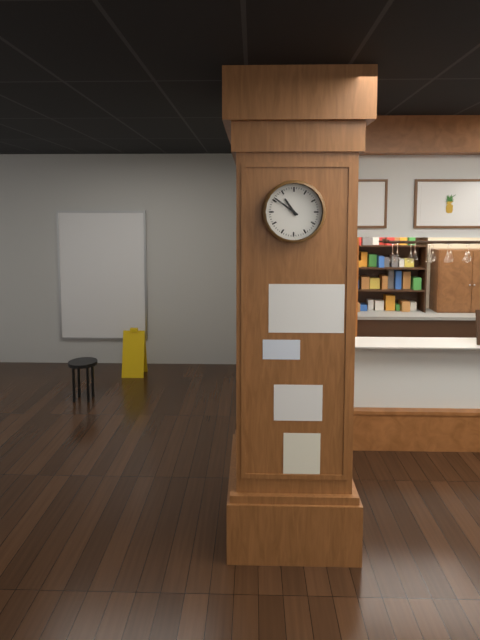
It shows {"hour": 10, "minute": 51}
